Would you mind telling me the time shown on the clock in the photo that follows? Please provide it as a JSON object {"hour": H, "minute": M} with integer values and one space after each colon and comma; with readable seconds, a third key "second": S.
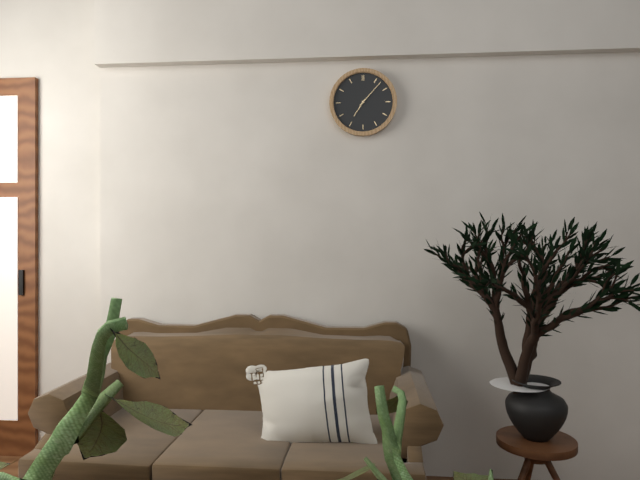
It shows {"hour": 7, "minute": 7}
